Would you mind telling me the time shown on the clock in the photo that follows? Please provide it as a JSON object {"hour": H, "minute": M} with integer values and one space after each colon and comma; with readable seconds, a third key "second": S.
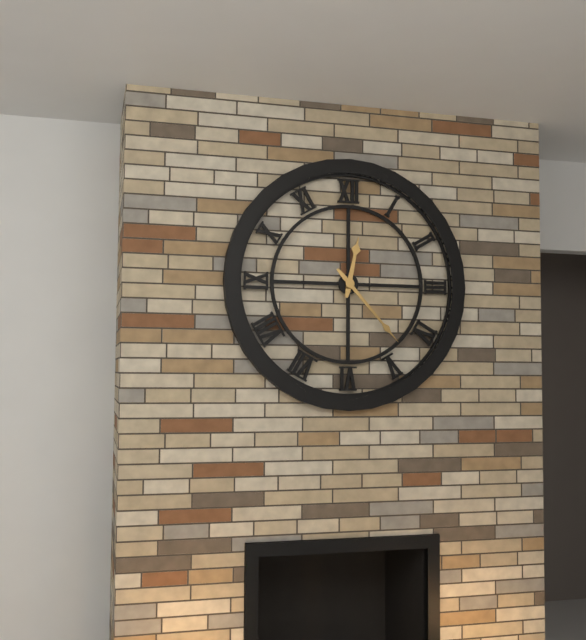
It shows {"hour": 12, "minute": 23}
